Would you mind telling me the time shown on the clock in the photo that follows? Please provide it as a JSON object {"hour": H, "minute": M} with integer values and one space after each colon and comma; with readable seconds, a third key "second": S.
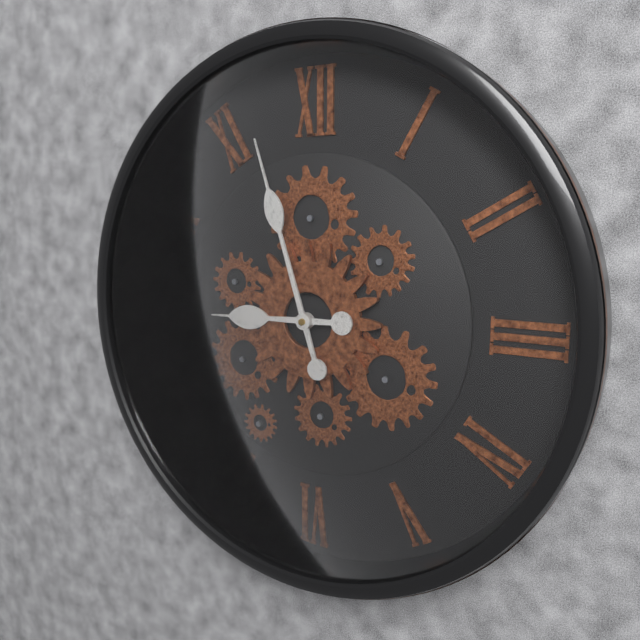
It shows {"hour": 8, "minute": 57}
